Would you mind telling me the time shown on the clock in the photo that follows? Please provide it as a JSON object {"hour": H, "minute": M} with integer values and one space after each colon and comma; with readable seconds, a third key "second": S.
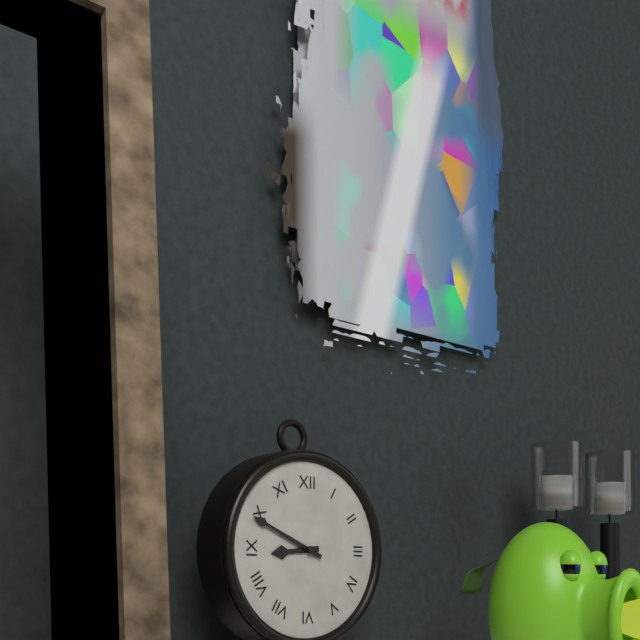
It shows {"hour": 8, "minute": 49}
